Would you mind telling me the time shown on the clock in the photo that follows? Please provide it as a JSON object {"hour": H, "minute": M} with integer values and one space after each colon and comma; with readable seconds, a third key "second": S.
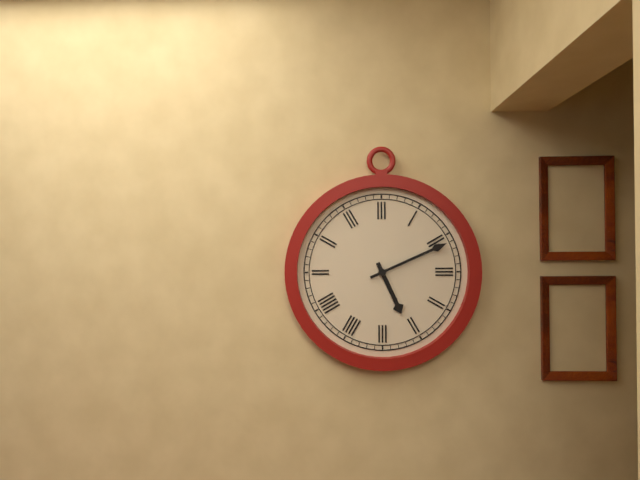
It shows {"hour": 5, "minute": 11}
